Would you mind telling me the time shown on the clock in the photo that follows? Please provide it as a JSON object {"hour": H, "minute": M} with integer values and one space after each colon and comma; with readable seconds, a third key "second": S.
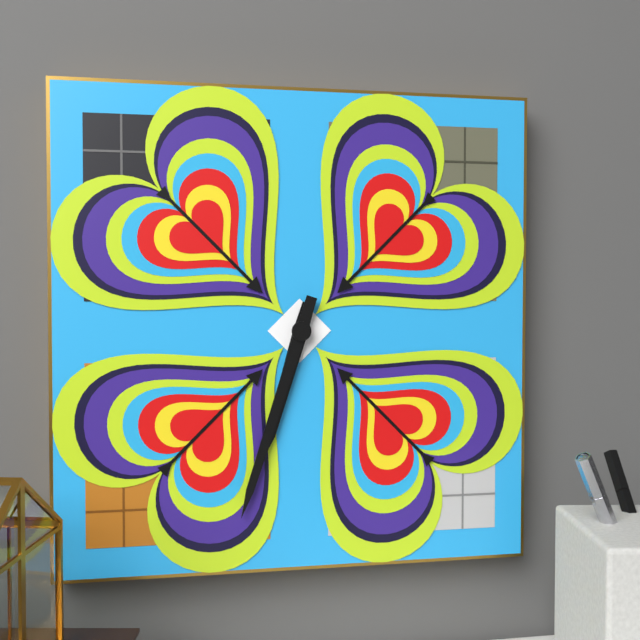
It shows {"hour": 6, "minute": 33}
